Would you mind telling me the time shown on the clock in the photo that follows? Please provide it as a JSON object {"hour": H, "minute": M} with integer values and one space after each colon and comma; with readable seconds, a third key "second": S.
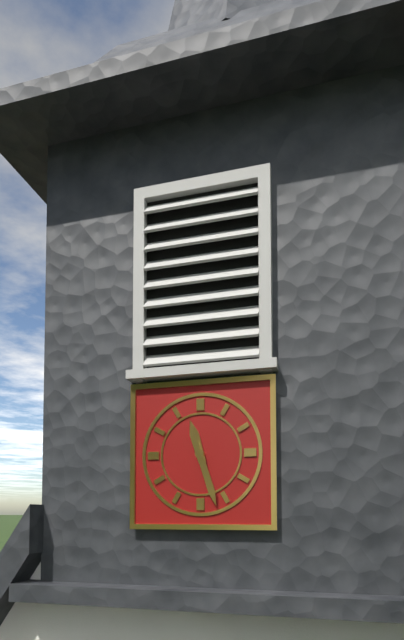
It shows {"hour": 11, "minute": 27}
